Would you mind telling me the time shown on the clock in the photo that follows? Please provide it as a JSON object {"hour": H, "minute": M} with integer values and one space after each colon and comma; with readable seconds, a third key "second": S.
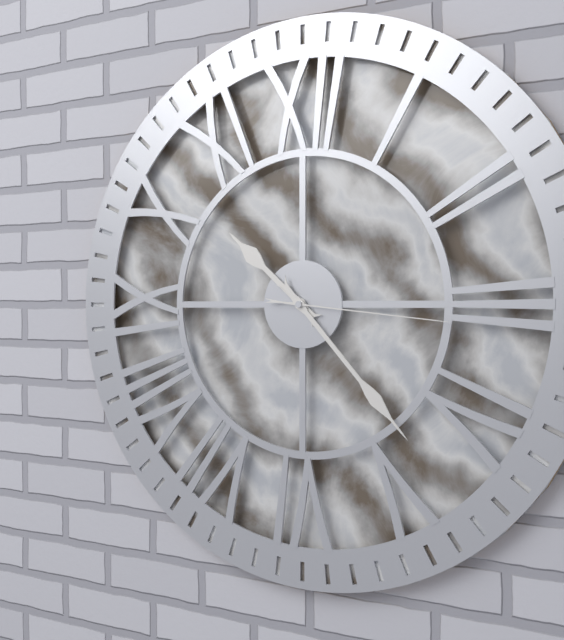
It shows {"hour": 10, "minute": 23, "second": 16}
